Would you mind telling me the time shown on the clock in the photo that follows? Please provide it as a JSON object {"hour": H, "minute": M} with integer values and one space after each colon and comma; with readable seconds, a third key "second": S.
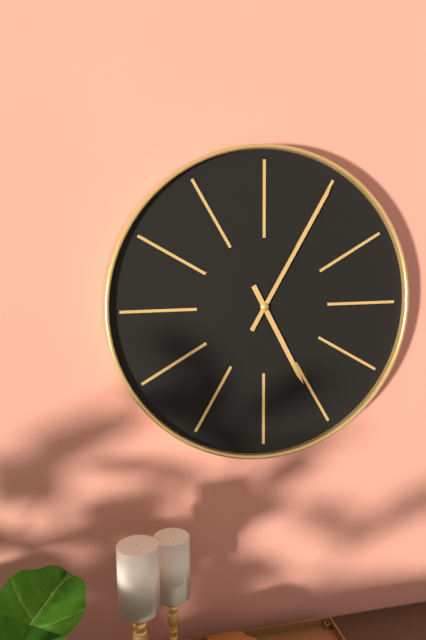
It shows {"hour": 5, "minute": 5}
